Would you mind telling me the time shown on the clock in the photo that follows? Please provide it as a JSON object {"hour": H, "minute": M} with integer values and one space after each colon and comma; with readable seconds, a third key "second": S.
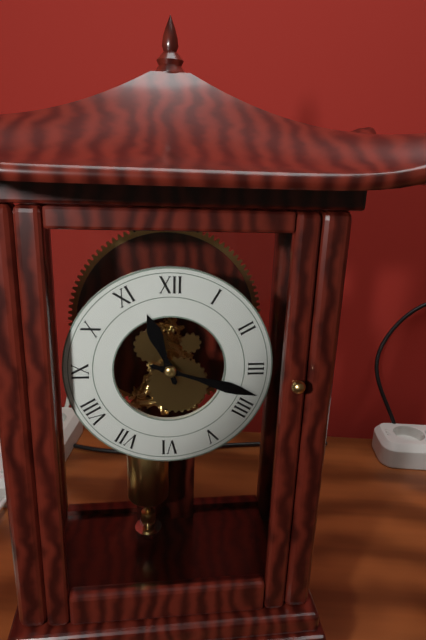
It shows {"hour": 11, "minute": 18}
